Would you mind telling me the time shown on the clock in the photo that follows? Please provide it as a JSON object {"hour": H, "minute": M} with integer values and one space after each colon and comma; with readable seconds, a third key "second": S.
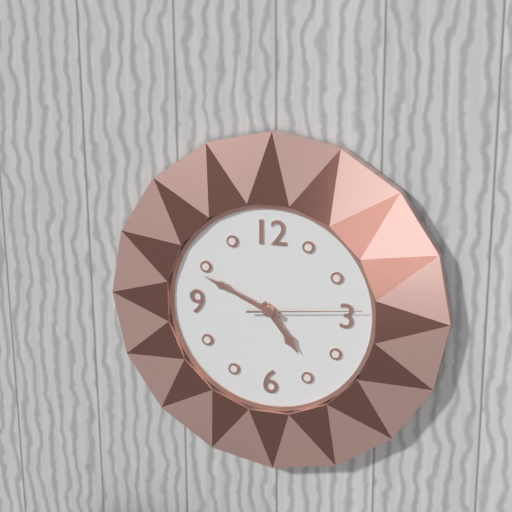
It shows {"hour": 4, "minute": 49, "second": 14}
